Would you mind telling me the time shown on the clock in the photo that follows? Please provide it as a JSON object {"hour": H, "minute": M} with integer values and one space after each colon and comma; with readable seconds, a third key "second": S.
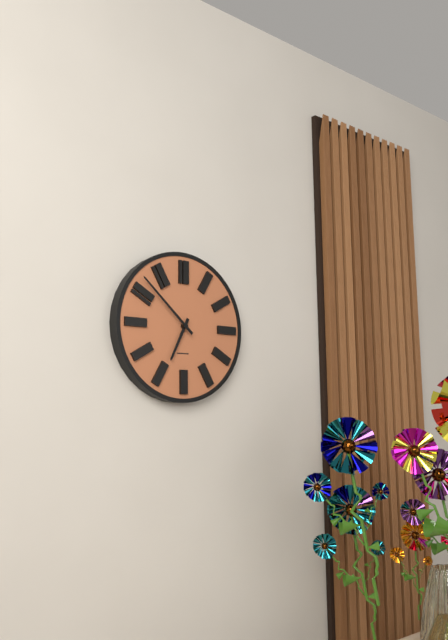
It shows {"hour": 6, "minute": 52}
